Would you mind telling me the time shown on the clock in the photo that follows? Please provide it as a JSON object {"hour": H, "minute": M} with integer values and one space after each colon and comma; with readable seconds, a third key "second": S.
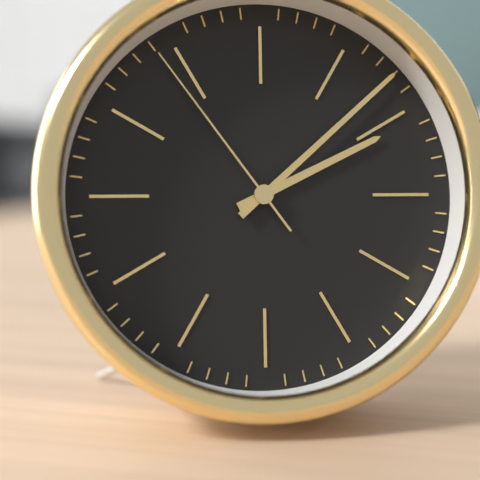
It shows {"hour": 2, "minute": 8, "second": 54}
